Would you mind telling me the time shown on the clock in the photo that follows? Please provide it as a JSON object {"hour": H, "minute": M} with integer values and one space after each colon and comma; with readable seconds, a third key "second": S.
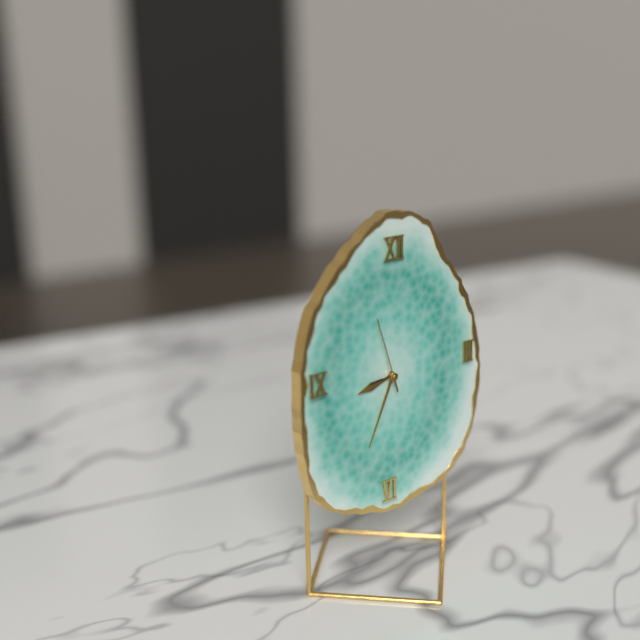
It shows {"hour": 8, "minute": 34, "second": 57}
